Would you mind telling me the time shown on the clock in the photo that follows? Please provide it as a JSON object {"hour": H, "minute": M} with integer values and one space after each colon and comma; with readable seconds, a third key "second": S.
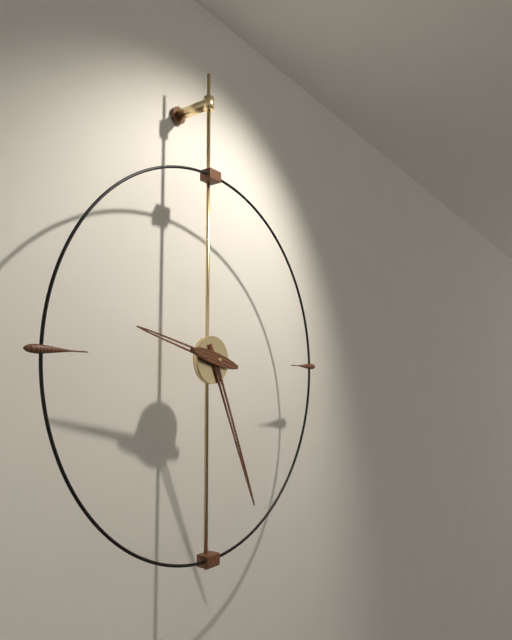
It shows {"hour": 9, "minute": 26}
